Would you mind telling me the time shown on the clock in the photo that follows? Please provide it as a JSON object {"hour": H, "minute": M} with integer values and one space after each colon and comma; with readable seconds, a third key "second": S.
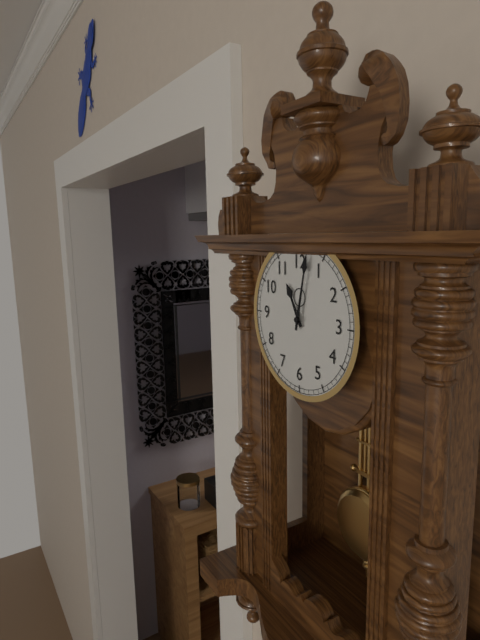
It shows {"hour": 11, "minute": 2}
